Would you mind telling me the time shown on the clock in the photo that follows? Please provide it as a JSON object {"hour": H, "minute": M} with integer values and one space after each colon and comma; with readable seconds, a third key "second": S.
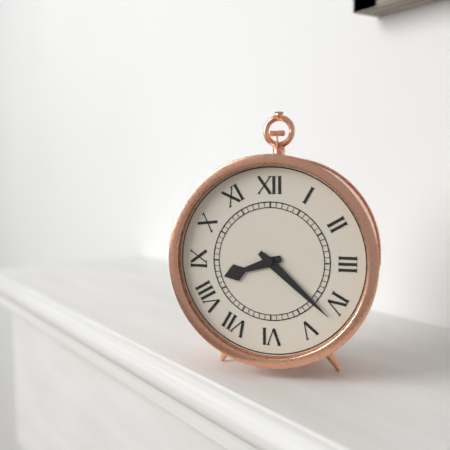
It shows {"hour": 8, "minute": 22}
